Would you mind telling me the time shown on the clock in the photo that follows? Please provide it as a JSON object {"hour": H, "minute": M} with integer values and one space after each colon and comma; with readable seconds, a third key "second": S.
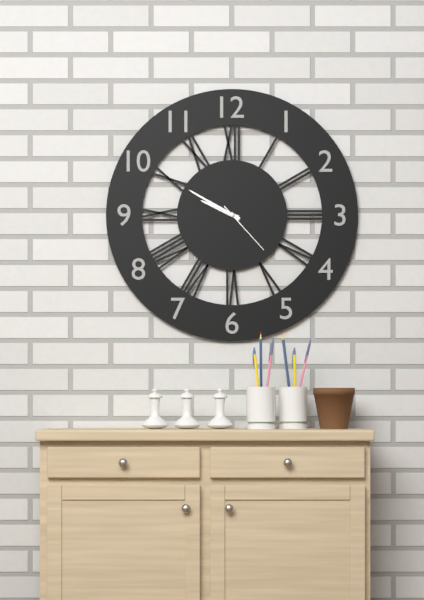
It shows {"hour": 9, "minute": 50, "second": 23}
